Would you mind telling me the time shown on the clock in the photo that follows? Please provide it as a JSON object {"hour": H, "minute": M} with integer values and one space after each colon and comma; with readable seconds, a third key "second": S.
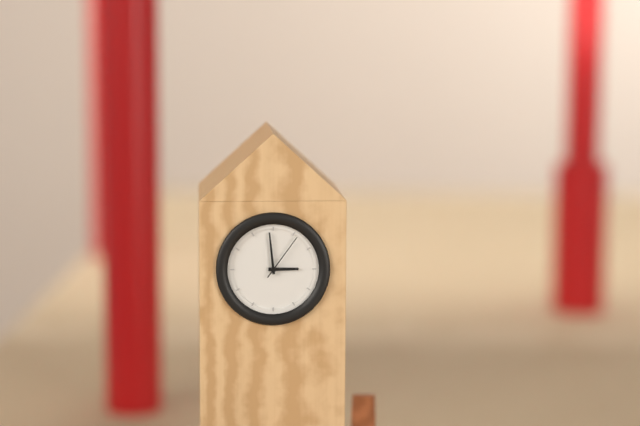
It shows {"hour": 2, "minute": 59}
